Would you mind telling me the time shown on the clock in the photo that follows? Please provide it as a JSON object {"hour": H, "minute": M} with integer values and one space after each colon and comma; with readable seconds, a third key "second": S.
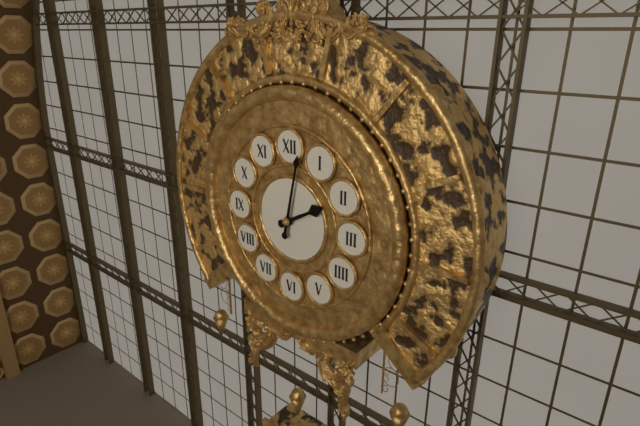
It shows {"hour": 2, "minute": 2}
